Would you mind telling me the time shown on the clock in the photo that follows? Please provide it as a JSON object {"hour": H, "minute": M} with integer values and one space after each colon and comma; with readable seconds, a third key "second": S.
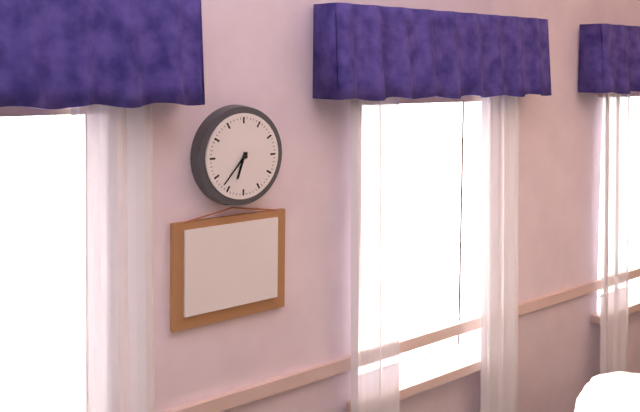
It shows {"hour": 6, "minute": 37}
